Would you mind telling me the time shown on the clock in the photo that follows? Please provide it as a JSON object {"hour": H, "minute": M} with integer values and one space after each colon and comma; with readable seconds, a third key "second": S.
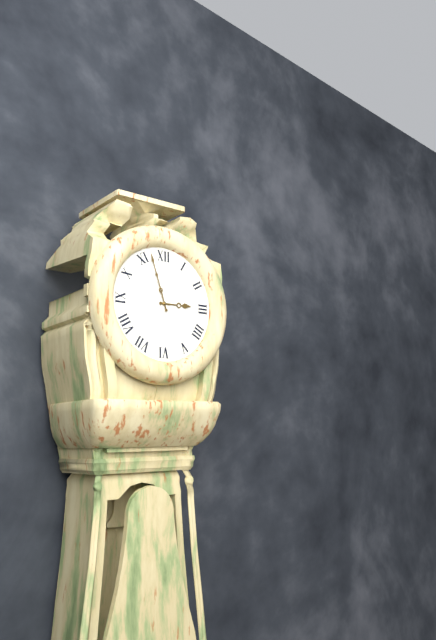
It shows {"hour": 2, "minute": 57}
